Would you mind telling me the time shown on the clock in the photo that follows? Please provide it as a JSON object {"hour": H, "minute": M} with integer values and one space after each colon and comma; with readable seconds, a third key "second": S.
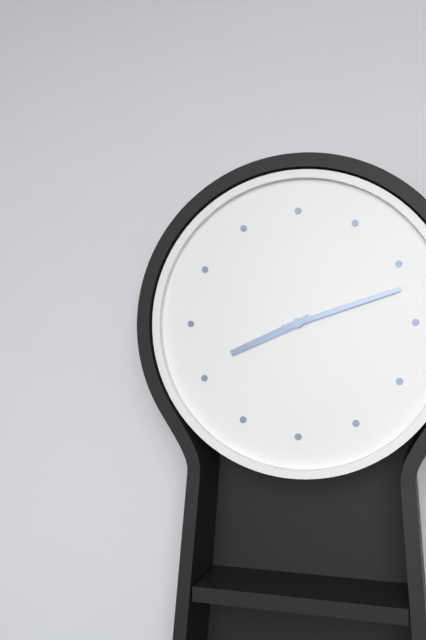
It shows {"hour": 8, "minute": 12}
